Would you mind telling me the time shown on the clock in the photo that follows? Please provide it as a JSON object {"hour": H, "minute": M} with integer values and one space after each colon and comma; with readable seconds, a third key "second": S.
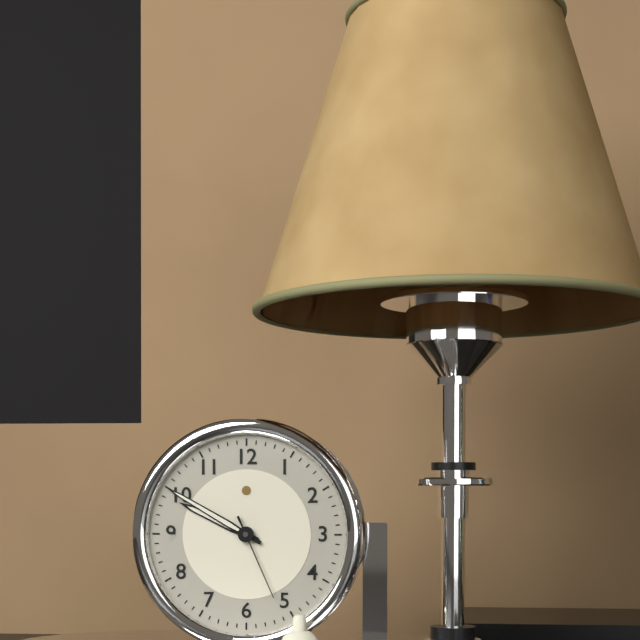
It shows {"hour": 9, "minute": 50, "second": 26}
